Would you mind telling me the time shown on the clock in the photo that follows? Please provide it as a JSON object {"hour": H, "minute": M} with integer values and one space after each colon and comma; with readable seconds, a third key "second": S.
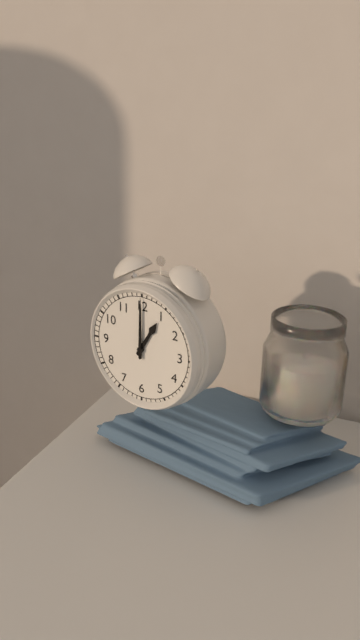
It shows {"hour": 1, "minute": 0}
